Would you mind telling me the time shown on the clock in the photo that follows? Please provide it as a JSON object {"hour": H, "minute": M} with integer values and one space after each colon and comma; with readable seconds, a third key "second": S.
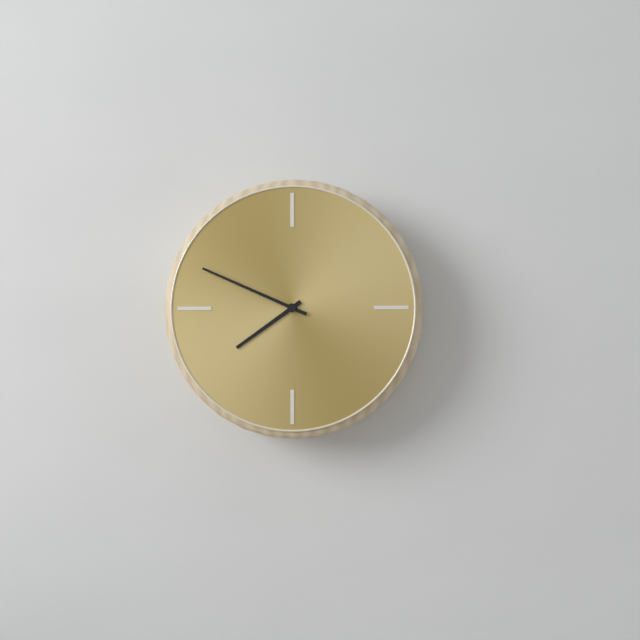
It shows {"hour": 7, "minute": 49}
